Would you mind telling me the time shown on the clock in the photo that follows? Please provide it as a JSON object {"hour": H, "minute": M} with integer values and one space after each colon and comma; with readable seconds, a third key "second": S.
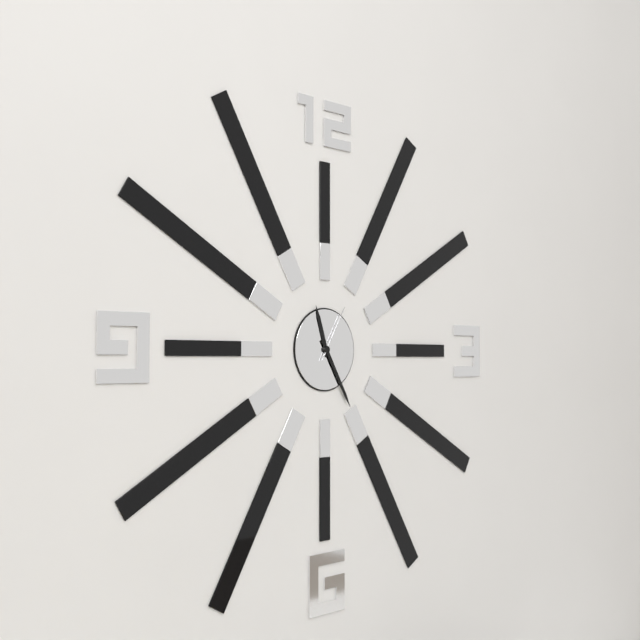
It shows {"hour": 11, "minute": 25, "second": 5}
